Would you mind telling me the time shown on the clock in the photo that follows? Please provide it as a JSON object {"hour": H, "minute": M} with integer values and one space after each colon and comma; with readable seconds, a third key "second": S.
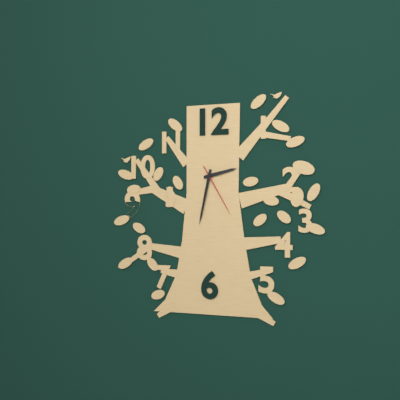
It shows {"hour": 2, "minute": 32, "second": 25}
